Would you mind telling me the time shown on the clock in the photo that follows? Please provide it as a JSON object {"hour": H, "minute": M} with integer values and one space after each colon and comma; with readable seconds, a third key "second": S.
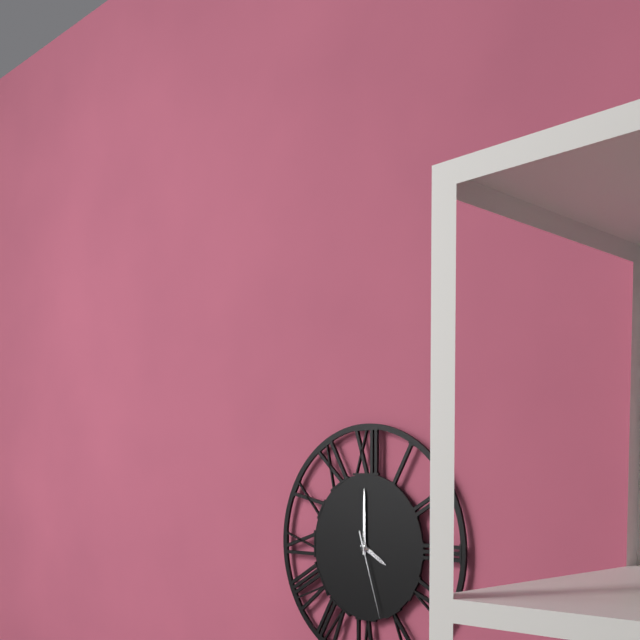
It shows {"hour": 4, "minute": 0, "second": 27}
